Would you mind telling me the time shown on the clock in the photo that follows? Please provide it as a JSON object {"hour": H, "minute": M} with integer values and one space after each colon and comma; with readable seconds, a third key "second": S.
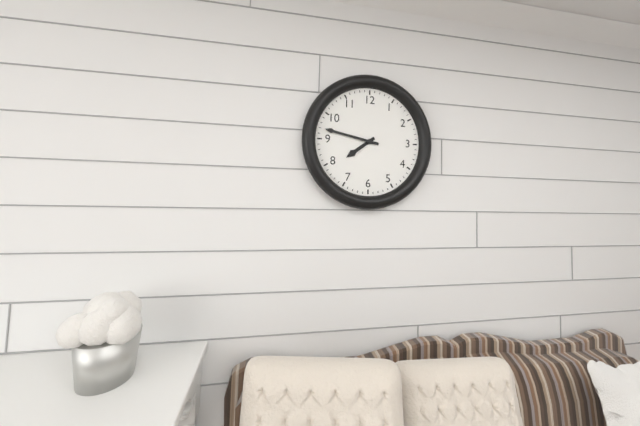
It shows {"hour": 7, "minute": 47}
